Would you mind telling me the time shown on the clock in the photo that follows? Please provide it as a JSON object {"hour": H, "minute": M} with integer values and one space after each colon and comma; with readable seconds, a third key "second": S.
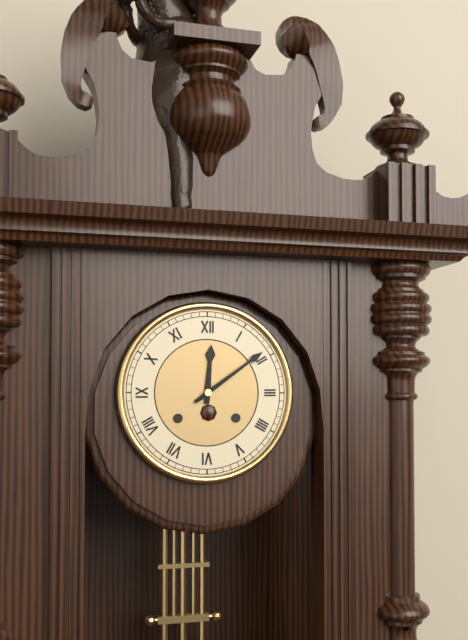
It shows {"hour": 12, "minute": 9}
